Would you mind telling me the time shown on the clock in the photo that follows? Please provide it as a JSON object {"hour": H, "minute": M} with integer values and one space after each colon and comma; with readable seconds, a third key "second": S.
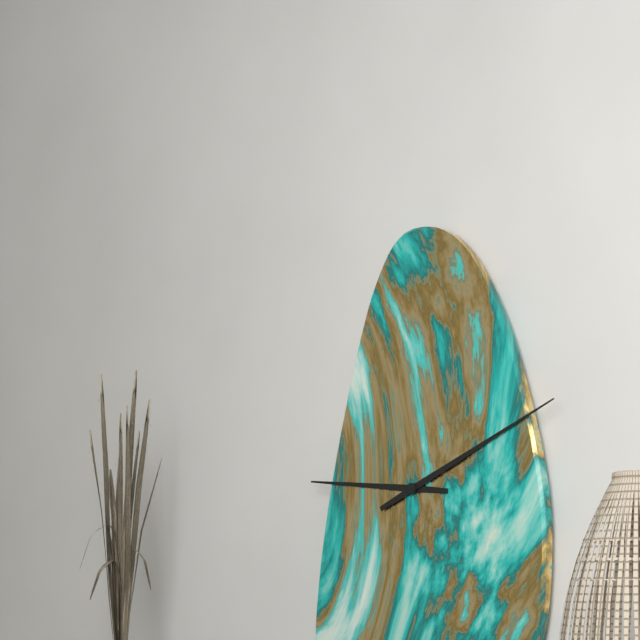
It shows {"hour": 9, "minute": 11}
